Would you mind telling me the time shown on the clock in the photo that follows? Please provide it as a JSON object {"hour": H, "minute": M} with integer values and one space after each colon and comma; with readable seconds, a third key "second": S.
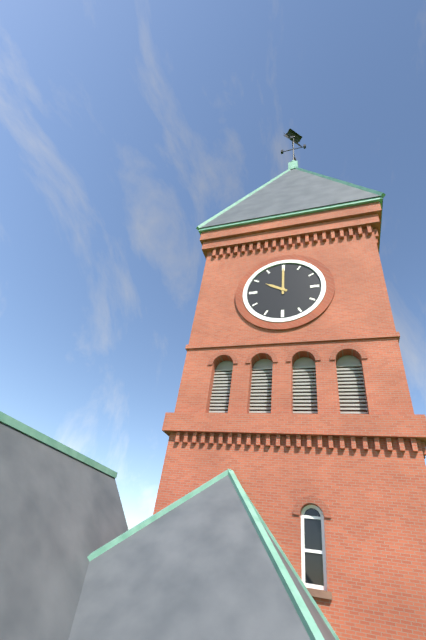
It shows {"hour": 10, "minute": 0}
